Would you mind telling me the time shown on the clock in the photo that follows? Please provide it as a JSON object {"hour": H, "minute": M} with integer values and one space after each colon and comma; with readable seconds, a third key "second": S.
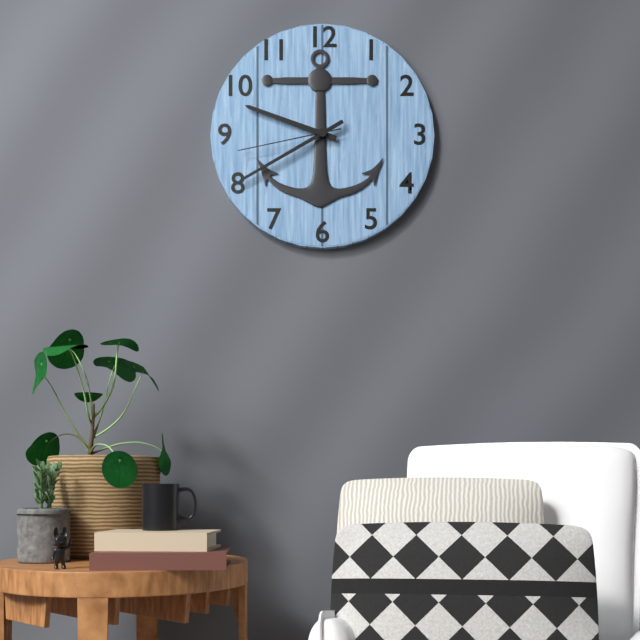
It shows {"hour": 9, "minute": 40, "second": 43}
